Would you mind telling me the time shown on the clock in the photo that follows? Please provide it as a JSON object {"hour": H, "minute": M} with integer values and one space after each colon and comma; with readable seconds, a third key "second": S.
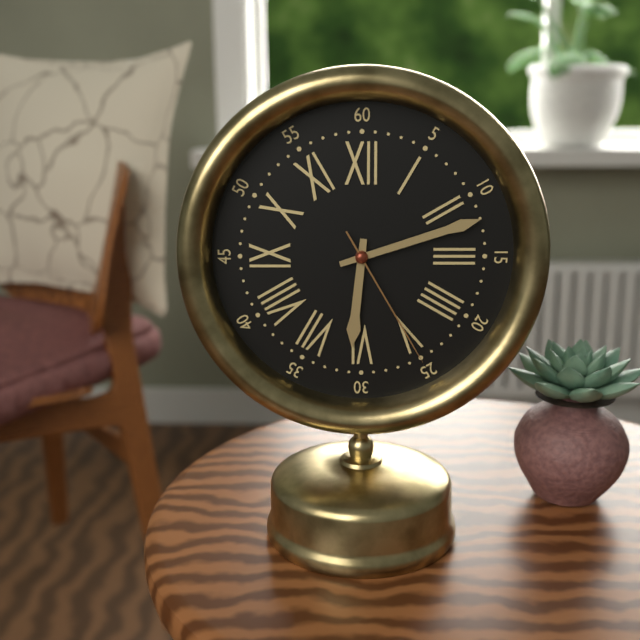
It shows {"hour": 6, "minute": 12, "second": 25}
